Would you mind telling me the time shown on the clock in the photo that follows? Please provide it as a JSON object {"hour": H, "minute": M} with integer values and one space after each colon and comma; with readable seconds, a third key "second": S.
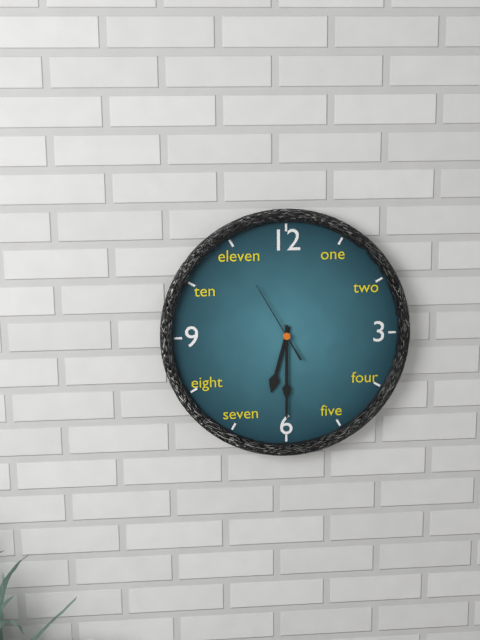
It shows {"hour": 6, "minute": 30, "second": 55}
